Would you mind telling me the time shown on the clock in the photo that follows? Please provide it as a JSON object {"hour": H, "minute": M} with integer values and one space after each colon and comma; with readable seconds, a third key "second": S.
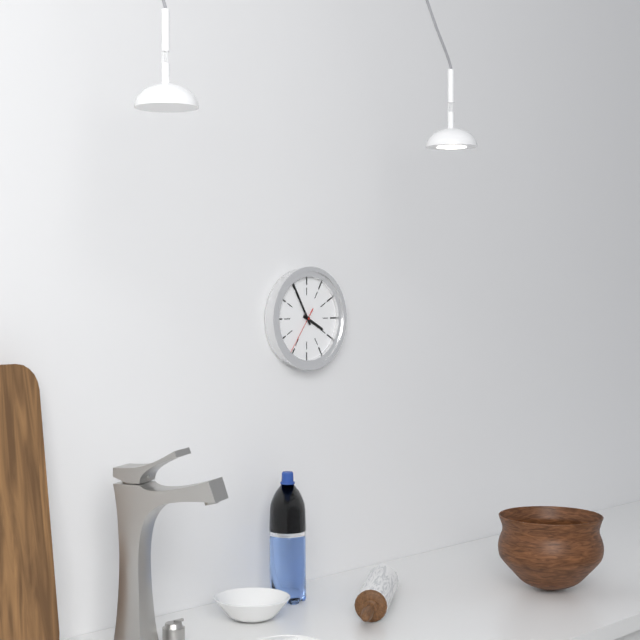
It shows {"hour": 3, "minute": 55, "second": 36}
